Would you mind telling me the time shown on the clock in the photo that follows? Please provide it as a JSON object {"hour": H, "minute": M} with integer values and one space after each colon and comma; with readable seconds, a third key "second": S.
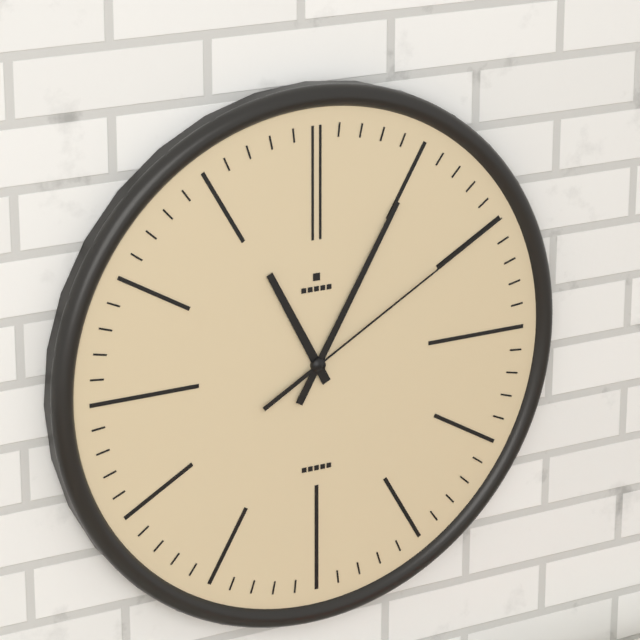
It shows {"hour": 11, "minute": 5, "second": 10}
